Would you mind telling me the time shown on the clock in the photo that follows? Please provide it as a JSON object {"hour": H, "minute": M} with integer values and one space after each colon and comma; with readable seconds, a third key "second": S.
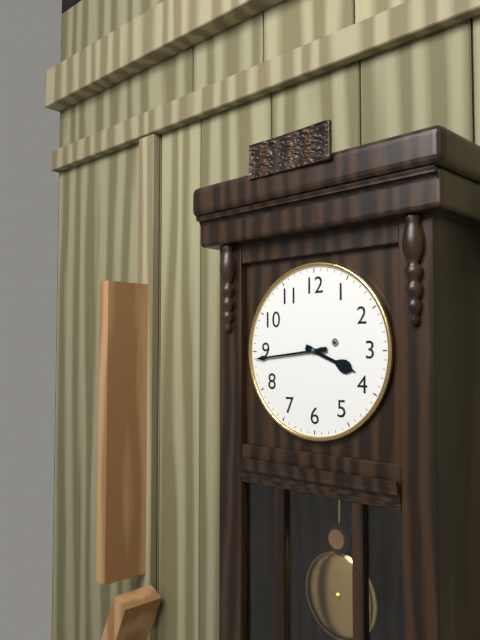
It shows {"hour": 3, "minute": 44}
